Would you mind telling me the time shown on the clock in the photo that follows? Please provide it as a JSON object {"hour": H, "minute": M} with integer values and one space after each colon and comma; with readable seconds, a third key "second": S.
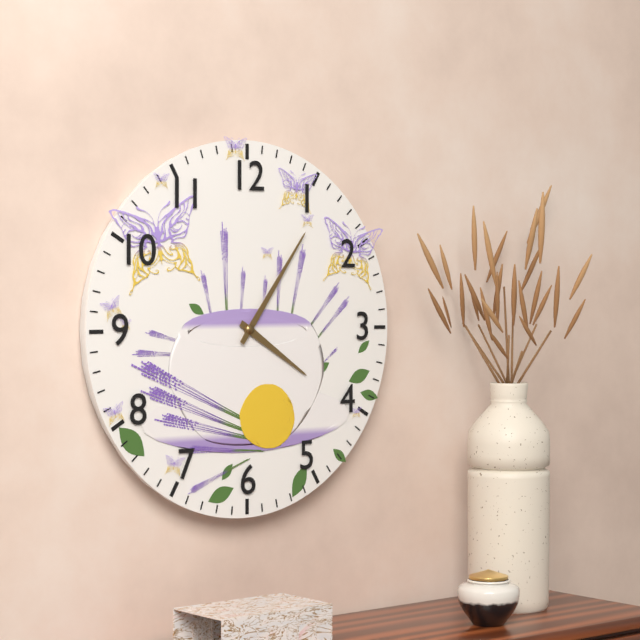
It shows {"hour": 4, "minute": 6}
